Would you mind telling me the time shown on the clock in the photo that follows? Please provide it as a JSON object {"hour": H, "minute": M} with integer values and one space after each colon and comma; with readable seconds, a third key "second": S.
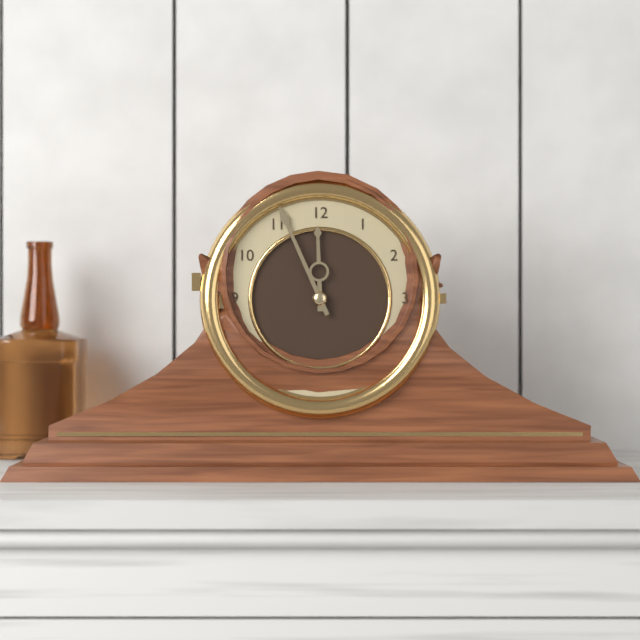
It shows {"hour": 11, "minute": 56}
